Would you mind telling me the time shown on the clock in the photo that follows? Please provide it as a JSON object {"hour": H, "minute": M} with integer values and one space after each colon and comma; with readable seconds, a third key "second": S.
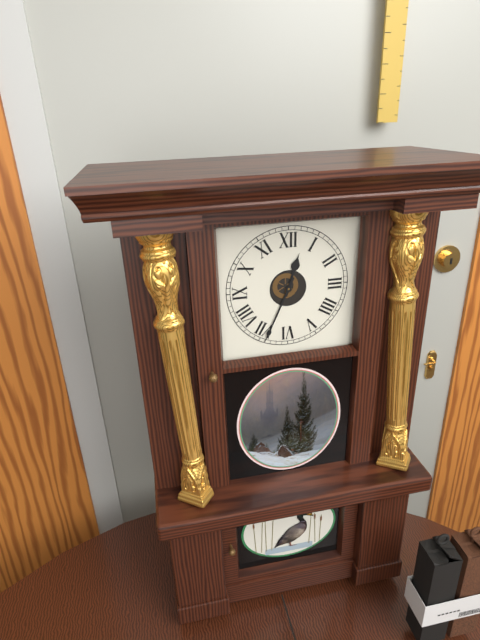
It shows {"hour": 12, "minute": 34}
